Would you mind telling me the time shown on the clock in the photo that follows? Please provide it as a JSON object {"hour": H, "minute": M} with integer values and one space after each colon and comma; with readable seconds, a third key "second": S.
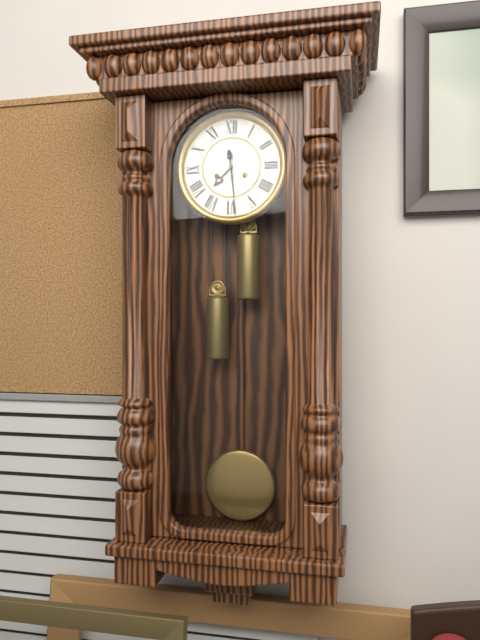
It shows {"hour": 7, "minute": 29}
